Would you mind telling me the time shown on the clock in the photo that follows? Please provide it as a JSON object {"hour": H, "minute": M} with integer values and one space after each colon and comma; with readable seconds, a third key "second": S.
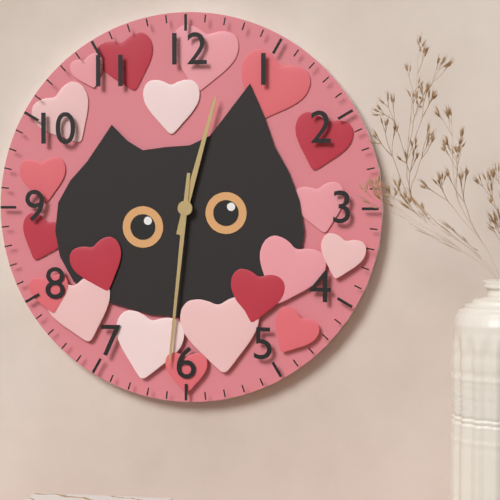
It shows {"hour": 12, "minute": 31}
